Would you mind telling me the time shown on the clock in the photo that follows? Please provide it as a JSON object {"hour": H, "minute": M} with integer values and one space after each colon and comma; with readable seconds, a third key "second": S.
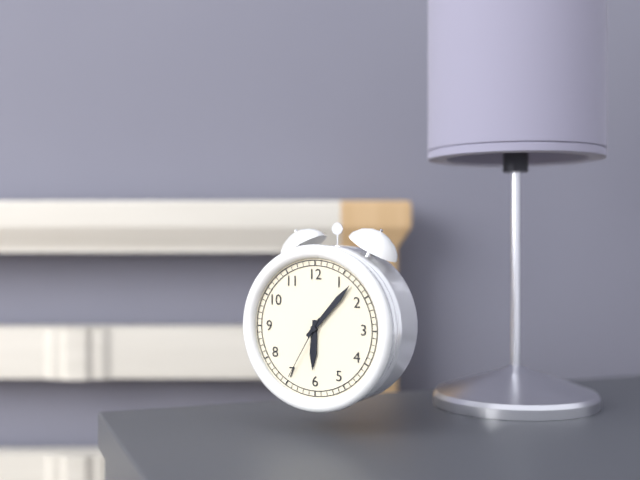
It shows {"hour": 6, "minute": 7, "second": 35}
